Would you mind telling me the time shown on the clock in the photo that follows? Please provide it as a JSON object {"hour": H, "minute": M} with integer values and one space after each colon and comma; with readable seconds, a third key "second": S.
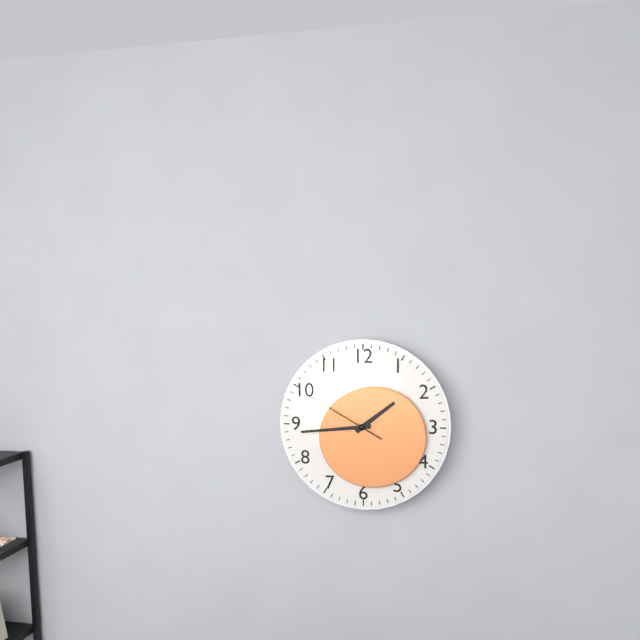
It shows {"hour": 1, "minute": 44, "second": 50}
